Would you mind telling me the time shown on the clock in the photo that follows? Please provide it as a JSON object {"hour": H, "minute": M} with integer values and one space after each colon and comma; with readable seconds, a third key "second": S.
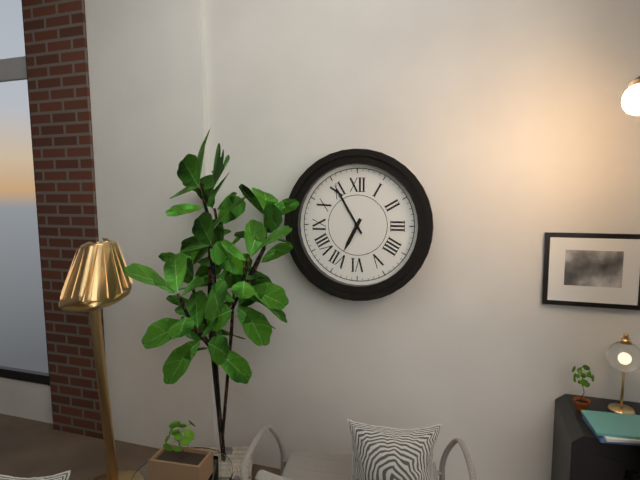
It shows {"hour": 6, "minute": 55}
